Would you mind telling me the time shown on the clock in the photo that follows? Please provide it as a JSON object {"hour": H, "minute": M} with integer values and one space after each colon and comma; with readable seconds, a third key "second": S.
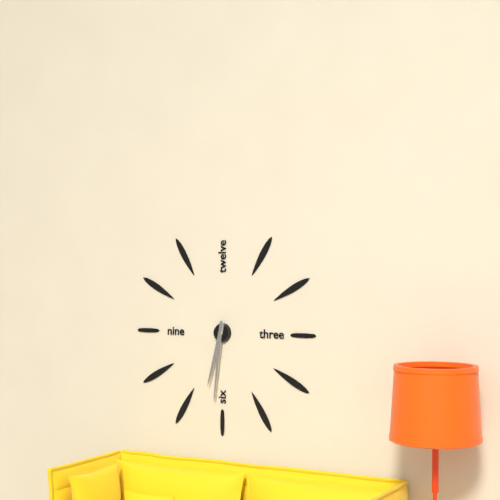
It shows {"hour": 6, "minute": 31}
